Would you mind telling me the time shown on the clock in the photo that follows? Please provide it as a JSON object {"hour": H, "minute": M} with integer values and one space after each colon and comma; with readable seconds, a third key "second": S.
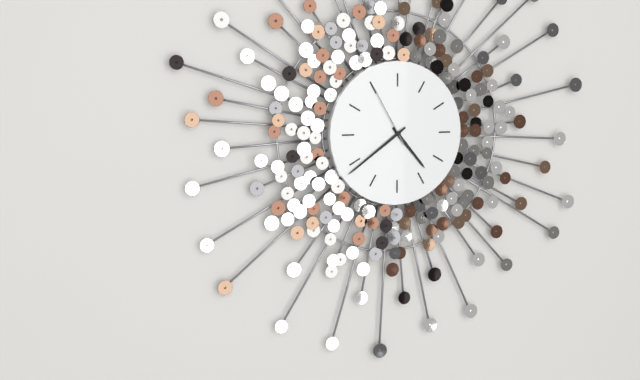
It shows {"hour": 4, "minute": 39, "second": 55}
